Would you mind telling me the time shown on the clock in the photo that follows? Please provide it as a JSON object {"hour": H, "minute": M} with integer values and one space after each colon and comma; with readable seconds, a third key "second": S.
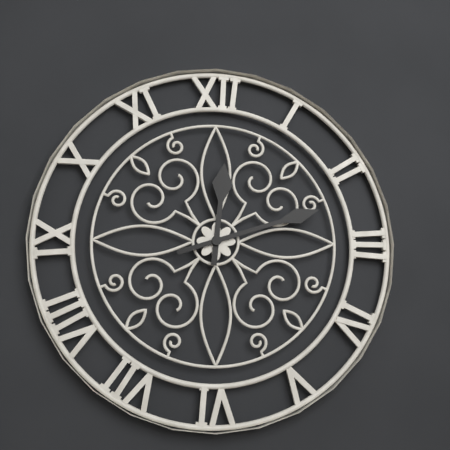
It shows {"hour": 12, "minute": 12}
